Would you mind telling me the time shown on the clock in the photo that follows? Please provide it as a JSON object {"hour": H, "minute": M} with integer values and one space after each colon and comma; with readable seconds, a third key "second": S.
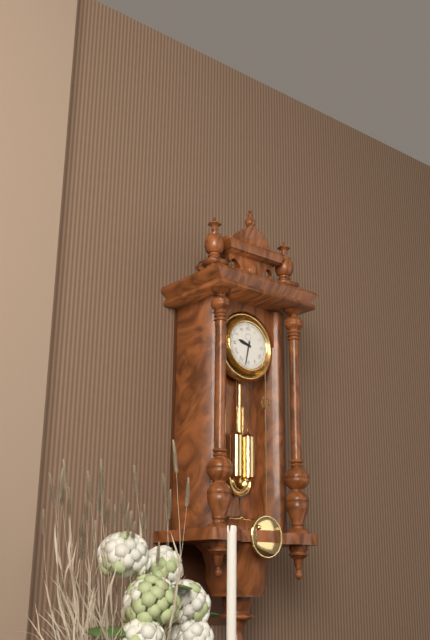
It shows {"hour": 9, "minute": 32}
